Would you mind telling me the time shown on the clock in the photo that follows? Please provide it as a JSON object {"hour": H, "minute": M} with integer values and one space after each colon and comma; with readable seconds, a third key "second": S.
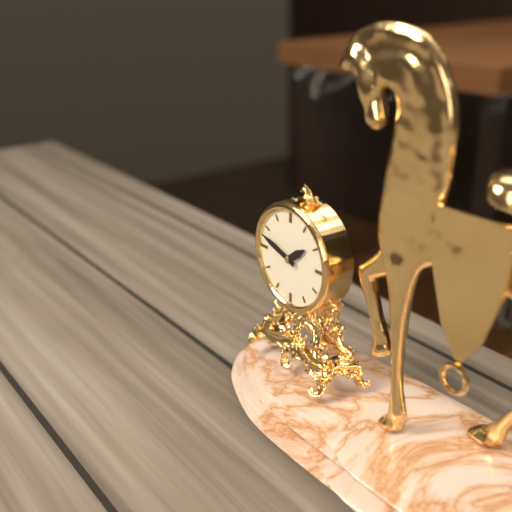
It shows {"hour": 1, "minute": 48}
